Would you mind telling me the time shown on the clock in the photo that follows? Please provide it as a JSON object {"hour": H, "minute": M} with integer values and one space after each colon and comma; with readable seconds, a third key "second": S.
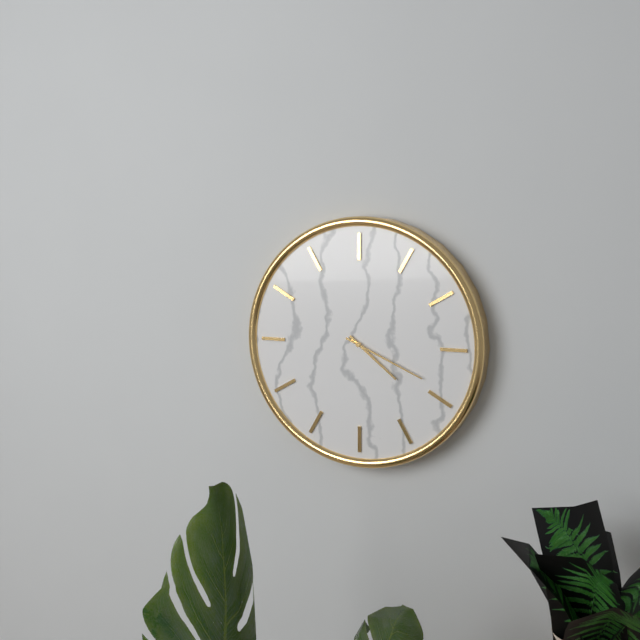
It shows {"hour": 4, "minute": 19}
